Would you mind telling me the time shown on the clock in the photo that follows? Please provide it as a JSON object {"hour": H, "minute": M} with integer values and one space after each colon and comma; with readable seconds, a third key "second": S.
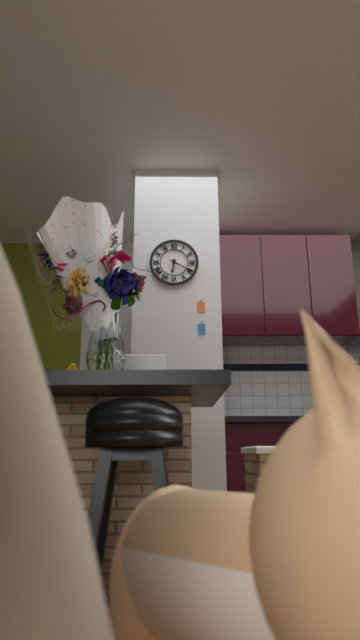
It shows {"hour": 6, "minute": 20}
